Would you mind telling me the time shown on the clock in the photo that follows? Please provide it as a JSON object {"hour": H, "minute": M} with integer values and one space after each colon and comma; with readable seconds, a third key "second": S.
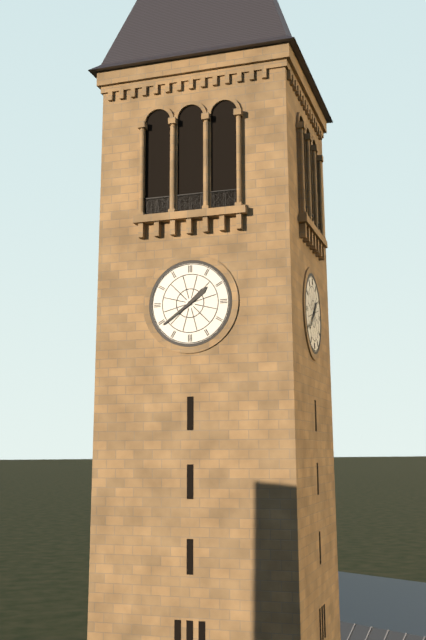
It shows {"hour": 1, "minute": 39}
